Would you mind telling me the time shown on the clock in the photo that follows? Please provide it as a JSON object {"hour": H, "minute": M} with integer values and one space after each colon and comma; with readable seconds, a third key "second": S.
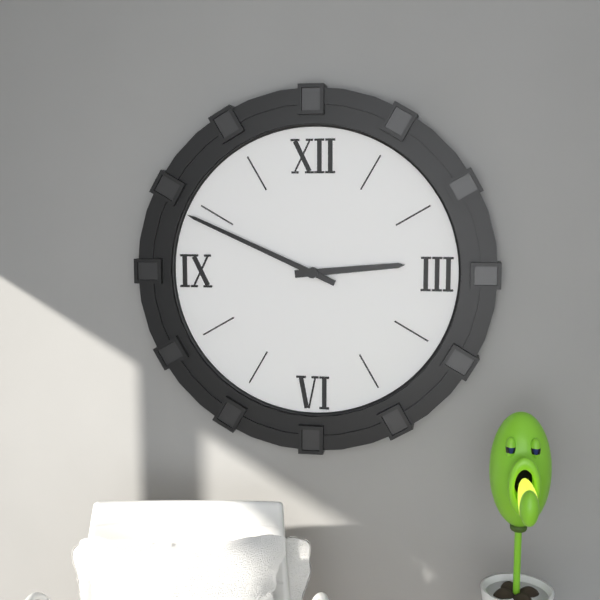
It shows {"hour": 2, "minute": 49}
